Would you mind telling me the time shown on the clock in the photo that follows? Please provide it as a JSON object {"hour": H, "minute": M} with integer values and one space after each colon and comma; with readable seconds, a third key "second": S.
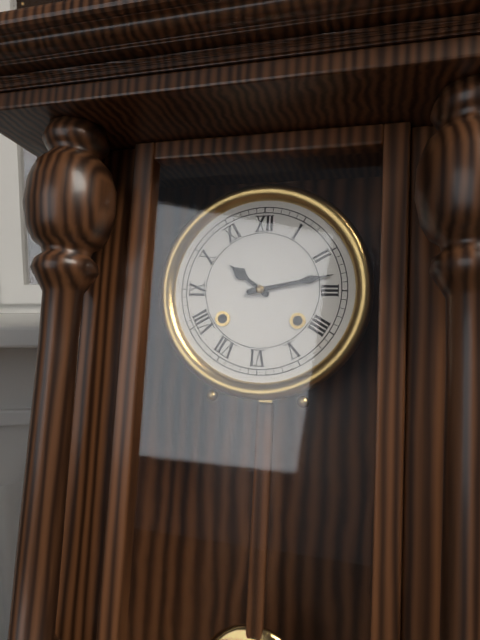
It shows {"hour": 10, "minute": 13}
